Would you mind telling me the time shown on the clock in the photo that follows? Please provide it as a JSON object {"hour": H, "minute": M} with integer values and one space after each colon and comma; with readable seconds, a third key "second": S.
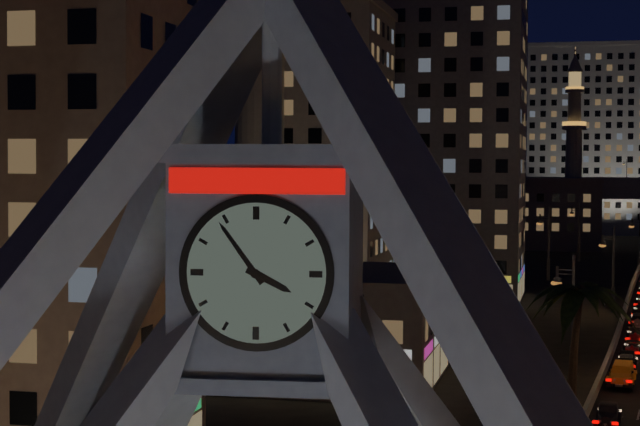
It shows {"hour": 3, "minute": 54}
